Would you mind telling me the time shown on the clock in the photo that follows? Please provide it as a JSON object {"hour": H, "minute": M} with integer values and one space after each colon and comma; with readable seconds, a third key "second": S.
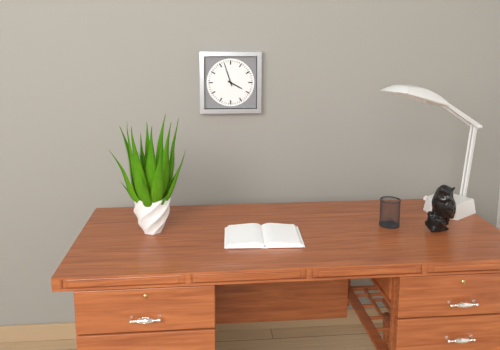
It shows {"hour": 3, "minute": 57}
